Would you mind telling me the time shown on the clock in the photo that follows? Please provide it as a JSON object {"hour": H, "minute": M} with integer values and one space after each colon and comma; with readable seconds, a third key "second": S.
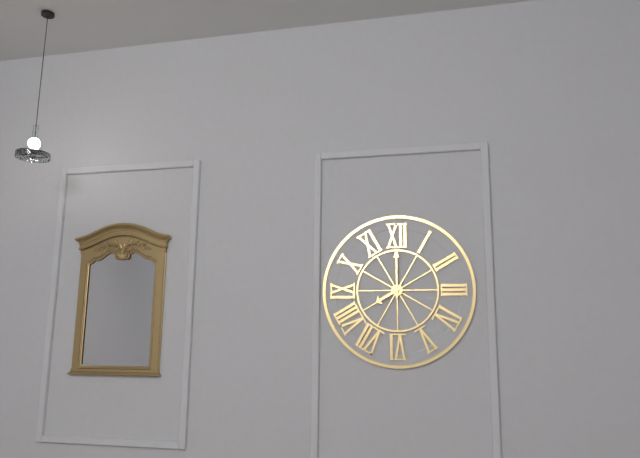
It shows {"hour": 8, "minute": 0}
